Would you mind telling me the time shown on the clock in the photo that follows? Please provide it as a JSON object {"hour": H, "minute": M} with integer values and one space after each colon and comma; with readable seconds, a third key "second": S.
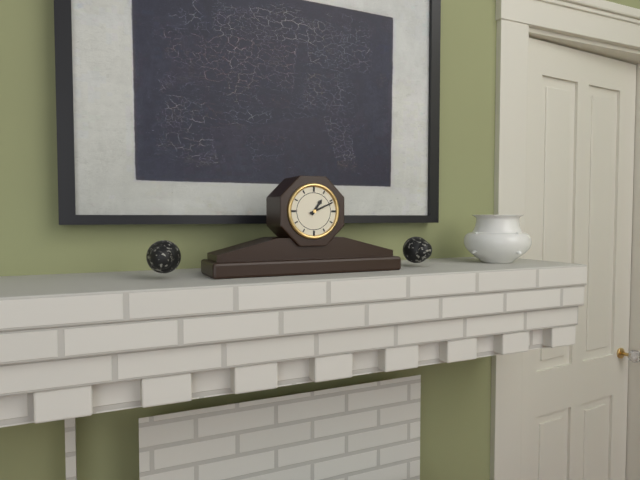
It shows {"hour": 1, "minute": 11}
